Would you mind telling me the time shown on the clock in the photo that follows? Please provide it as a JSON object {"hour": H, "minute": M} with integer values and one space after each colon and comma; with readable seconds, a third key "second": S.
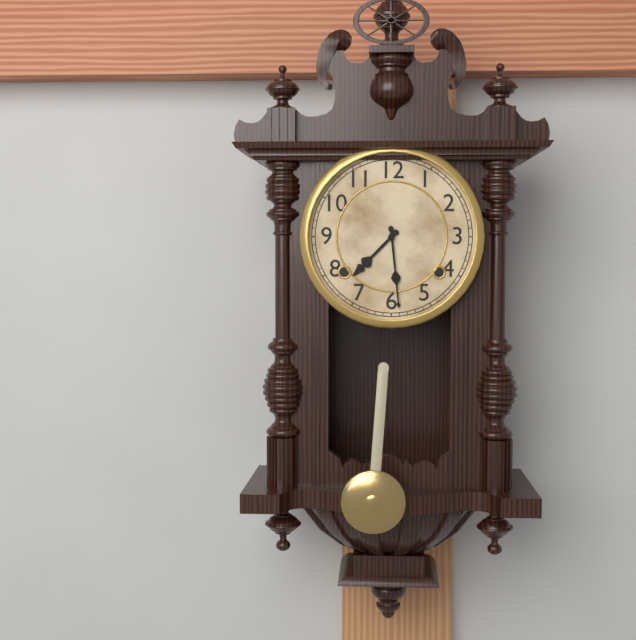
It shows {"hour": 7, "minute": 29}
